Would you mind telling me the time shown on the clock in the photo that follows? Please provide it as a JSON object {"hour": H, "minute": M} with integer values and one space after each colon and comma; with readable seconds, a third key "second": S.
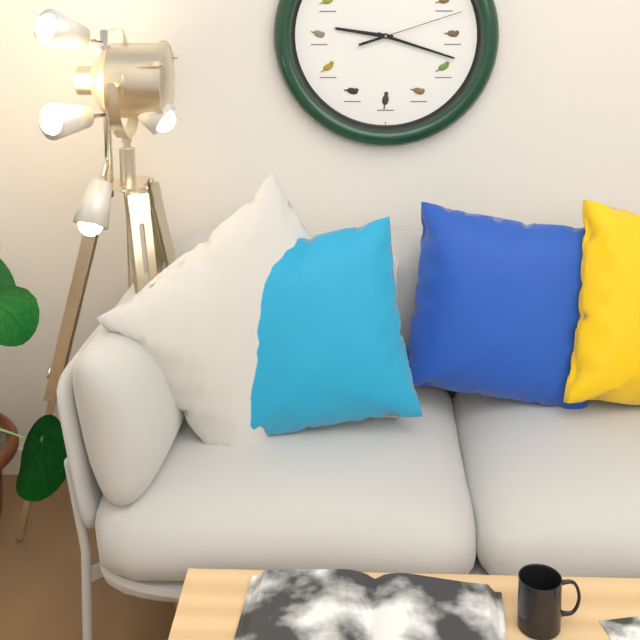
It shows {"hour": 9, "minute": 18, "second": 12}
